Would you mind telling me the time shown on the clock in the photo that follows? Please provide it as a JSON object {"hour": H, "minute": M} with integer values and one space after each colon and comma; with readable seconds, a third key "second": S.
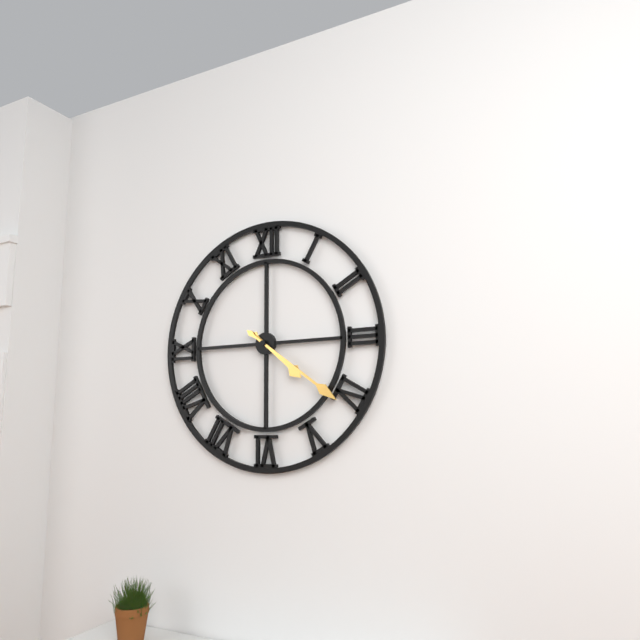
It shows {"hour": 4, "minute": 21}
